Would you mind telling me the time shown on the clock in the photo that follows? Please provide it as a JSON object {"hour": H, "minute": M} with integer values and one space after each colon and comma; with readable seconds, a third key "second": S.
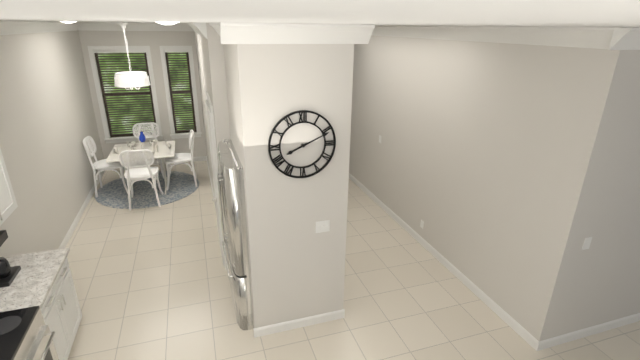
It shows {"hour": 8, "minute": 11}
